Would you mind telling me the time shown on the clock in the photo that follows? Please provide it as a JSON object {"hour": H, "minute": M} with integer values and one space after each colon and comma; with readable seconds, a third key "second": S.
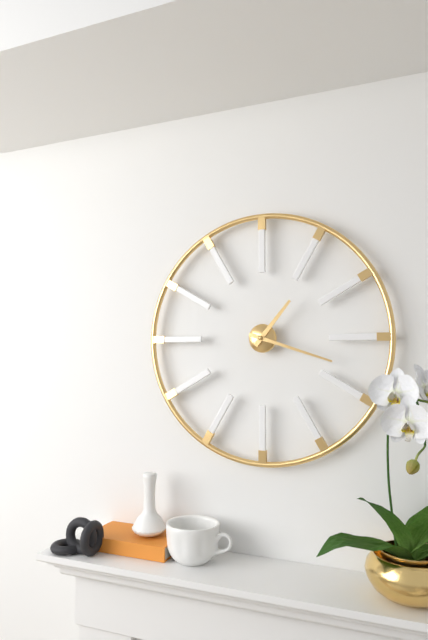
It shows {"hour": 1, "minute": 18}
